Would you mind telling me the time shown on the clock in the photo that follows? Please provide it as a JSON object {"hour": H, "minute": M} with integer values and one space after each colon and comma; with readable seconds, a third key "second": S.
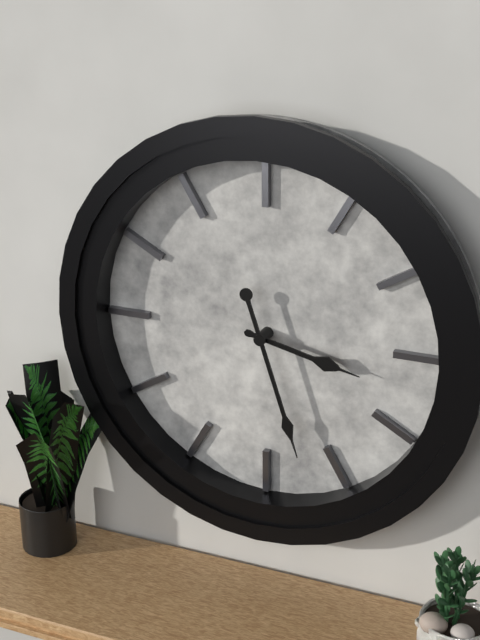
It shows {"hour": 3, "minute": 27}
